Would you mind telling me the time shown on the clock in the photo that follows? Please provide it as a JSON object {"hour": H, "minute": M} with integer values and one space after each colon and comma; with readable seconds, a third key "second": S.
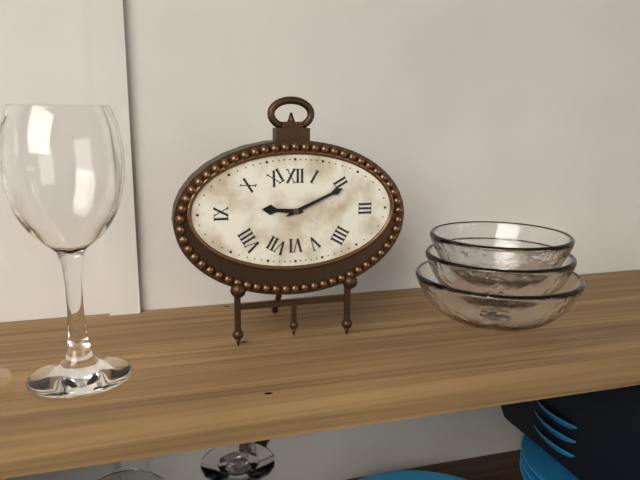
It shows {"hour": 9, "minute": 11}
